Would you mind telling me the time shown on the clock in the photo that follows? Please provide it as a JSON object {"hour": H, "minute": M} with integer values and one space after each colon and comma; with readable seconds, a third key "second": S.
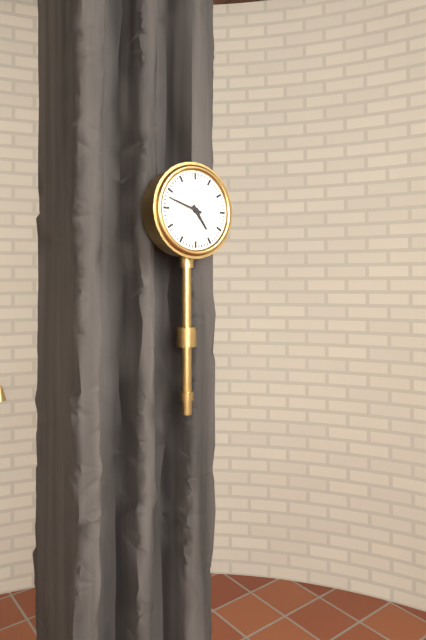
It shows {"hour": 4, "minute": 48}
